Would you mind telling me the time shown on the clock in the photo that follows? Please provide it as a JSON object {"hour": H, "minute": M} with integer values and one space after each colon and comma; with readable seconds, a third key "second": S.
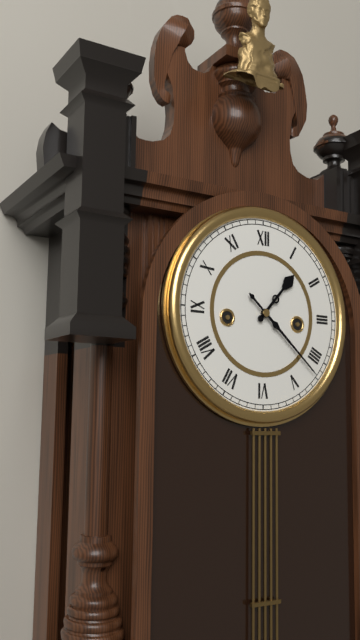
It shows {"hour": 1, "minute": 22}
